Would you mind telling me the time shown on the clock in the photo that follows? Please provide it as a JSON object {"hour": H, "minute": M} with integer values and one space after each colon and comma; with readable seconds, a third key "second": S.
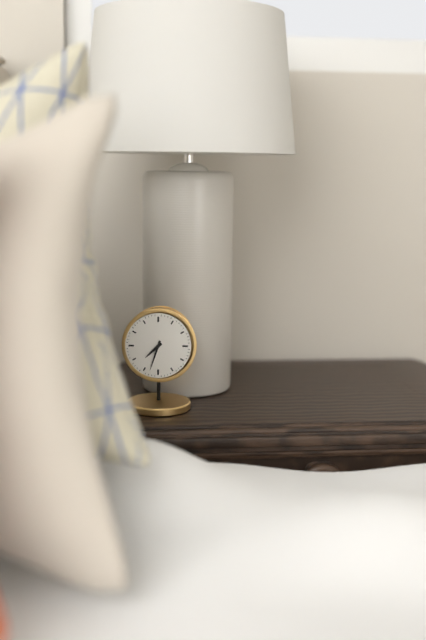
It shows {"hour": 7, "minute": 33}
